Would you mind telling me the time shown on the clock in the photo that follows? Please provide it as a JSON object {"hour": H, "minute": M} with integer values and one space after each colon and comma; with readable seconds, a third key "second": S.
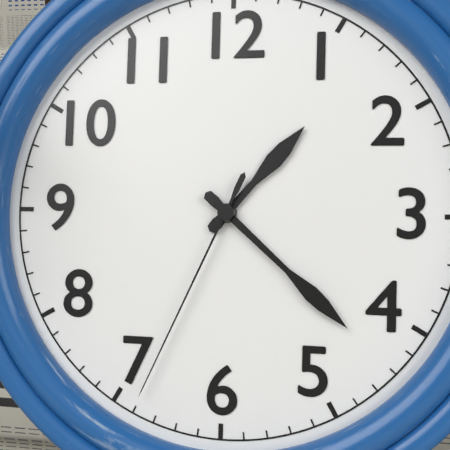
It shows {"hour": 1, "minute": 22, "second": 34}
